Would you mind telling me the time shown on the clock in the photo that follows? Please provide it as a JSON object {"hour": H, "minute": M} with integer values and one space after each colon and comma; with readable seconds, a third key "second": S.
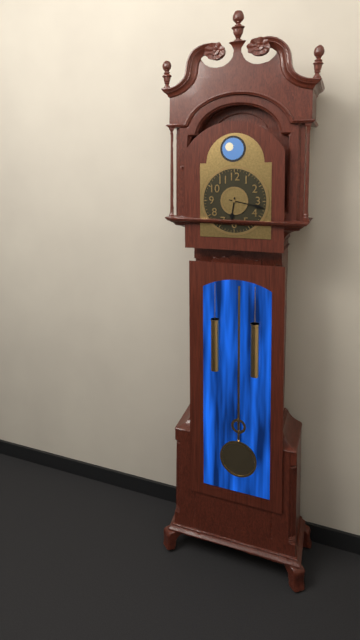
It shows {"hour": 6, "minute": 17}
